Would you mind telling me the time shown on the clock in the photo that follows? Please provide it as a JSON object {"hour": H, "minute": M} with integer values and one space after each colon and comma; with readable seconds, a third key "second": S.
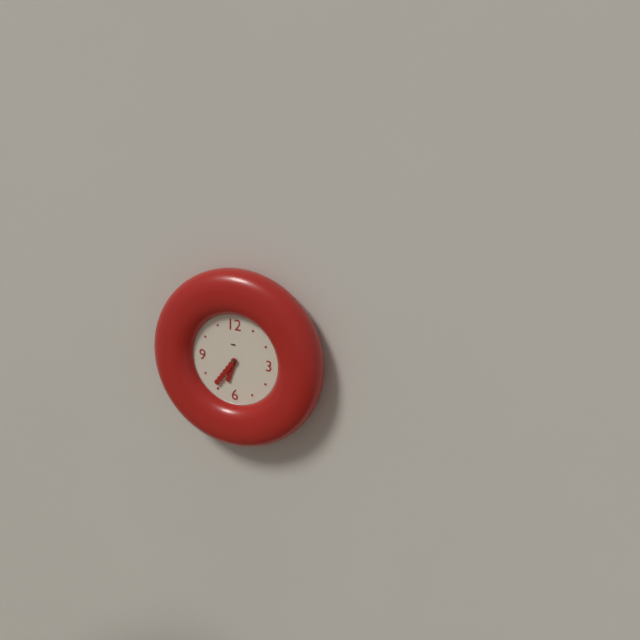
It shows {"hour": 6, "minute": 36}
